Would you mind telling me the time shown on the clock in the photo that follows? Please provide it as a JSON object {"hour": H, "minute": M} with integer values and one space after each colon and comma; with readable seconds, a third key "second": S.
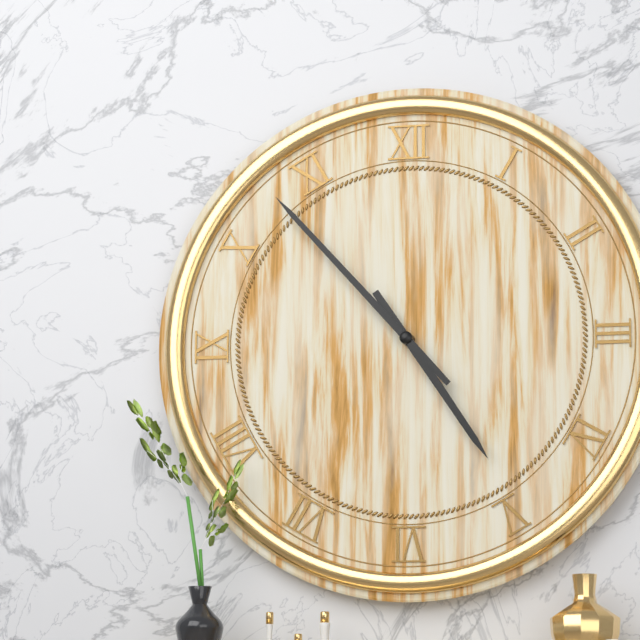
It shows {"hour": 4, "minute": 53}
